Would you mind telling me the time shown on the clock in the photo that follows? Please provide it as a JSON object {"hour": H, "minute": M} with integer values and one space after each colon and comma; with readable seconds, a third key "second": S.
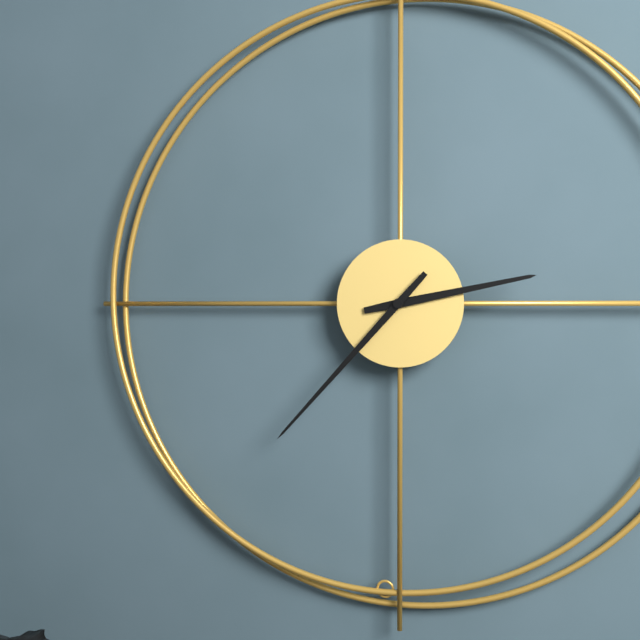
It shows {"hour": 2, "minute": 37}
